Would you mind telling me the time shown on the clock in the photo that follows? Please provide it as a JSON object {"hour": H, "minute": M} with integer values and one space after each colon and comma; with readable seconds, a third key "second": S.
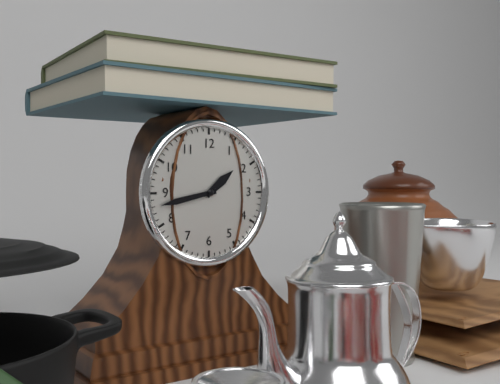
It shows {"hour": 1, "minute": 43}
